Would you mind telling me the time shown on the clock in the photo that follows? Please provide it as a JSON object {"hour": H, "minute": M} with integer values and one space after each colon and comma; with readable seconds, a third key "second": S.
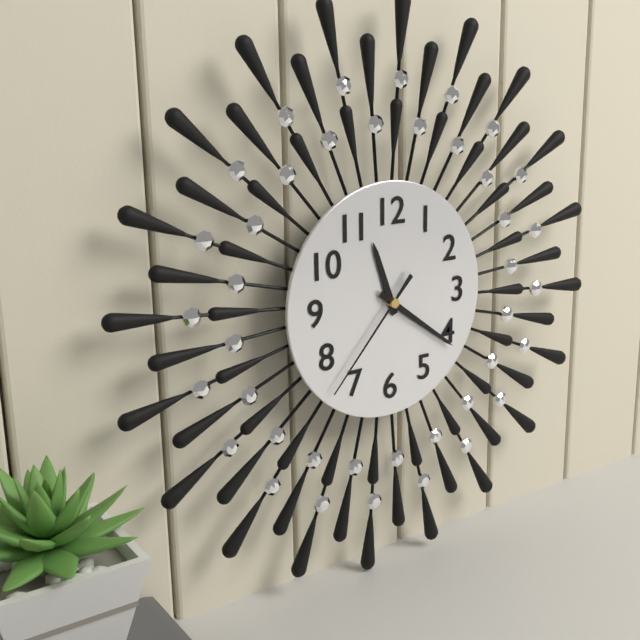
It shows {"hour": 11, "minute": 21, "second": 37}
